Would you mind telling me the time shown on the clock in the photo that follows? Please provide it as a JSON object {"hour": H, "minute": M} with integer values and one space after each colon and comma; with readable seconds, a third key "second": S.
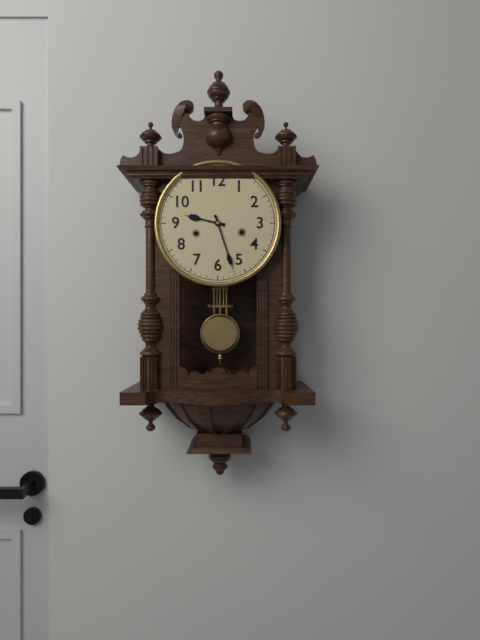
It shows {"hour": 9, "minute": 27}
